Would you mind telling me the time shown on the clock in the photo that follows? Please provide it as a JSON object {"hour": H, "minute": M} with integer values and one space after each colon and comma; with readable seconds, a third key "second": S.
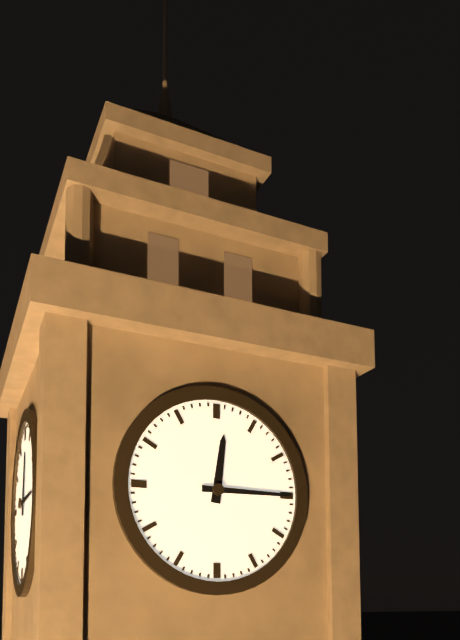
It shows {"hour": 12, "minute": 15}
